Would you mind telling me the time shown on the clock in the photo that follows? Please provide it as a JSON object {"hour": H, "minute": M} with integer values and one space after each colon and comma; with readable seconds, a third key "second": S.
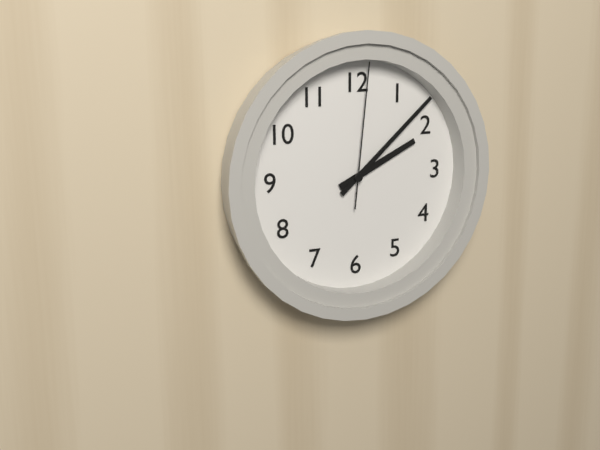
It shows {"hour": 2, "minute": 8, "second": 1}
